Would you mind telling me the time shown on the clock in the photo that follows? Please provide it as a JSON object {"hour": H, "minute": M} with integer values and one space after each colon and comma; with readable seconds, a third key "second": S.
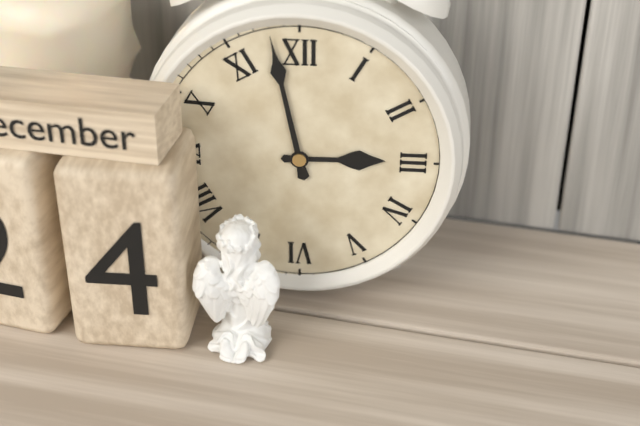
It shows {"hour": 2, "minute": 58}
